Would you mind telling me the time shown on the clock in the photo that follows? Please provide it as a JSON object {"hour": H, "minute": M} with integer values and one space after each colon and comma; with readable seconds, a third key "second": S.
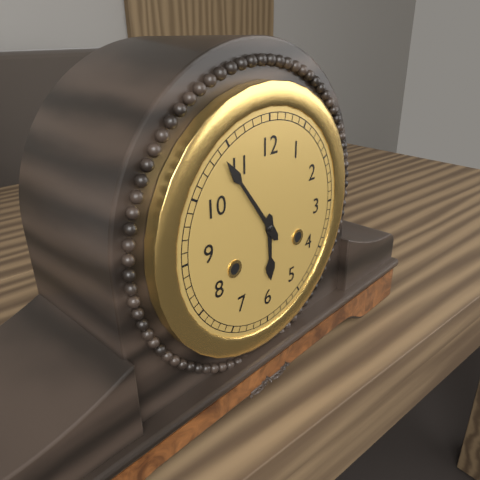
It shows {"hour": 5, "minute": 54}
